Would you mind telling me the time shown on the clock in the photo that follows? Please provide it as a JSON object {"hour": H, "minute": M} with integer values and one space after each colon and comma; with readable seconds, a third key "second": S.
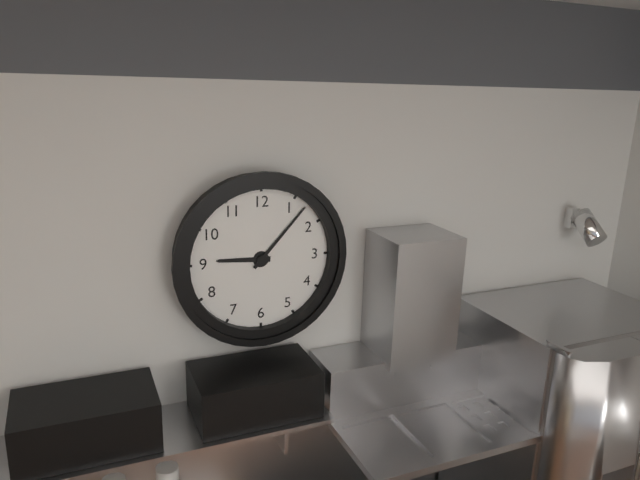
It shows {"hour": 9, "minute": 7}
